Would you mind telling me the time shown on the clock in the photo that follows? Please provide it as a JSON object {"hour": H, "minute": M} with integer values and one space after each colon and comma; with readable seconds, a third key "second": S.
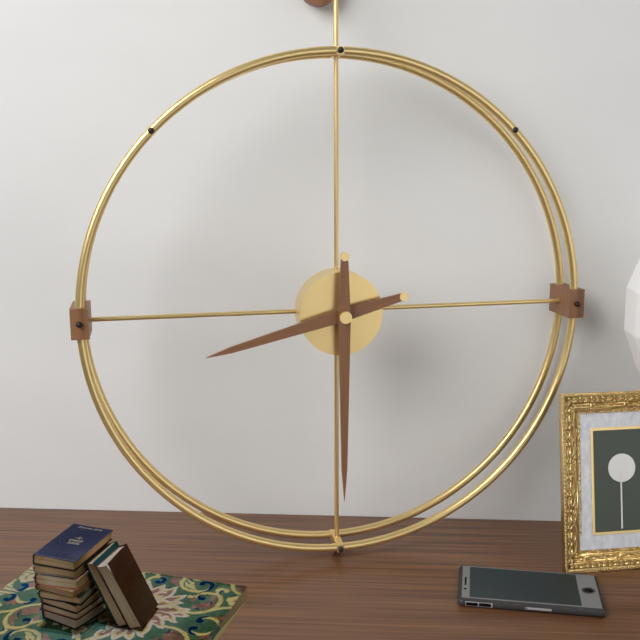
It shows {"hour": 8, "minute": 30}
